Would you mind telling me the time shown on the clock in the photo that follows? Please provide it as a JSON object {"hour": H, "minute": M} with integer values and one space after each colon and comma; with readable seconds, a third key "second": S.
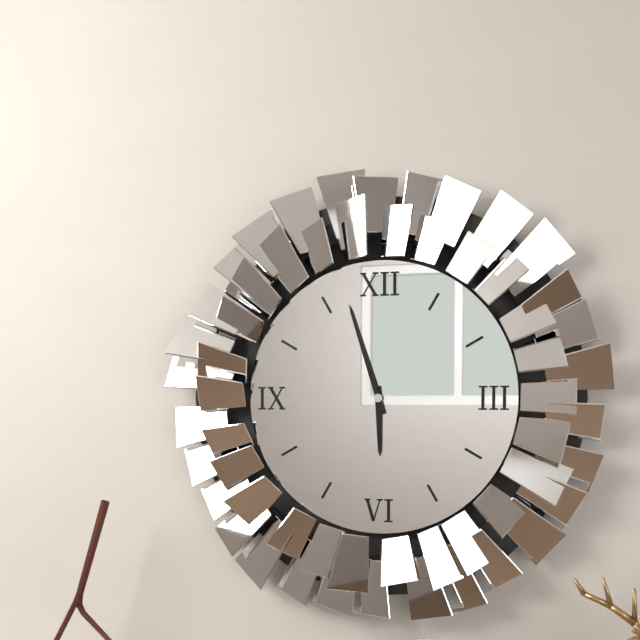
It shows {"hour": 5, "minute": 57}
